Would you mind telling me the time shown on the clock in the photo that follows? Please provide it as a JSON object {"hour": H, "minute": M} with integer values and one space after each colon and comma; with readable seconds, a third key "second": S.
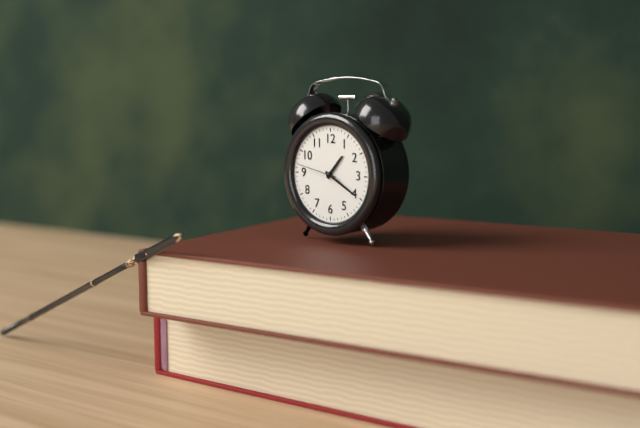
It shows {"hour": 1, "minute": 20}
